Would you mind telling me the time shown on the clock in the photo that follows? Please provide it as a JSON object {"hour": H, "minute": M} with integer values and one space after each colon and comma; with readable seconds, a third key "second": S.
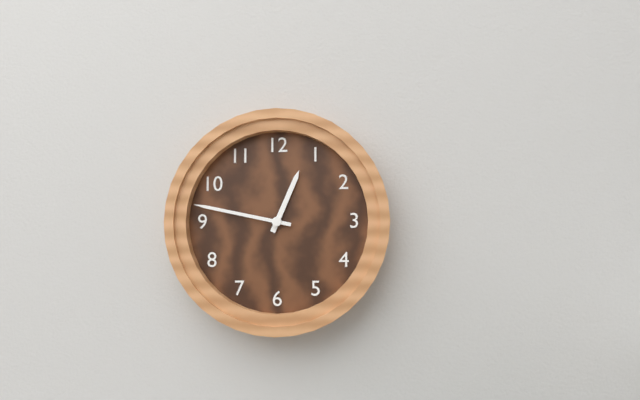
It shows {"hour": 12, "minute": 47}
